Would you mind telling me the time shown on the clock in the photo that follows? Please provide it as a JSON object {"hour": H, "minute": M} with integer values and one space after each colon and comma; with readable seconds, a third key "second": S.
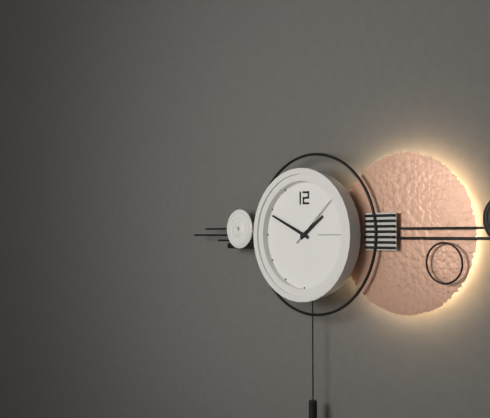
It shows {"hour": 1, "minute": 49, "second": 8}
